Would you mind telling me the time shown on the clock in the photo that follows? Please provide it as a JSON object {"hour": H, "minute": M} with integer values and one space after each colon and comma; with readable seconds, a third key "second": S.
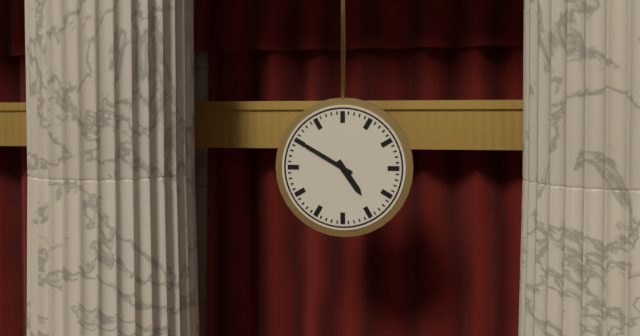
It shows {"hour": 4, "minute": 50}
